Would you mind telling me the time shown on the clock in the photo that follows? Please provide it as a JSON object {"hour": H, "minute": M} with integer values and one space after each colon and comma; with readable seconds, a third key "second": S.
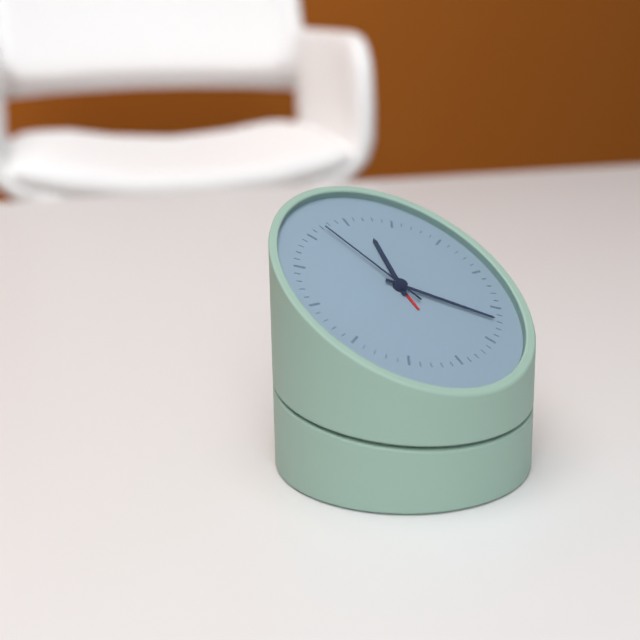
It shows {"hour": 12, "minute": 22, "second": 57}
